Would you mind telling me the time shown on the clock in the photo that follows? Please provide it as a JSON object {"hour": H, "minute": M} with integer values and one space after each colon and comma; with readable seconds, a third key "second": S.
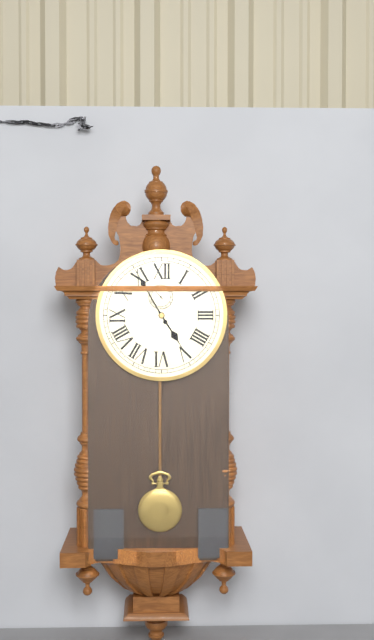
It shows {"hour": 4, "minute": 55}
